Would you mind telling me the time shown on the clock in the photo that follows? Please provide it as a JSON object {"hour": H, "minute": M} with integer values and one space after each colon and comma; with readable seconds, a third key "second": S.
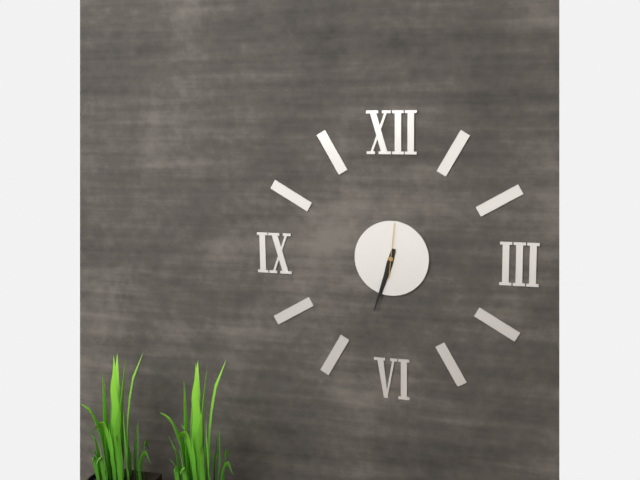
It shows {"hour": 6, "minute": 33}
